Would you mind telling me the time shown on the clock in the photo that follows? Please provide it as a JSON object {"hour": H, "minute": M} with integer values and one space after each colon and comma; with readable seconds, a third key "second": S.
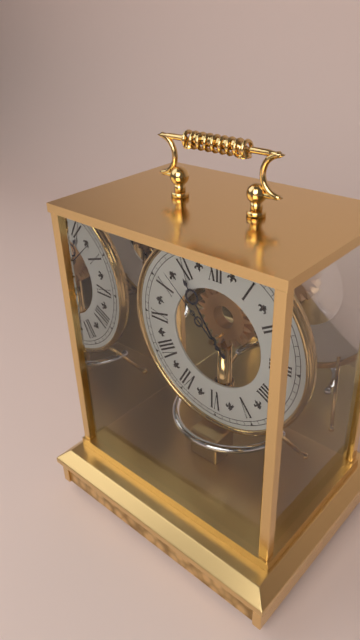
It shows {"hour": 10, "minute": 52}
